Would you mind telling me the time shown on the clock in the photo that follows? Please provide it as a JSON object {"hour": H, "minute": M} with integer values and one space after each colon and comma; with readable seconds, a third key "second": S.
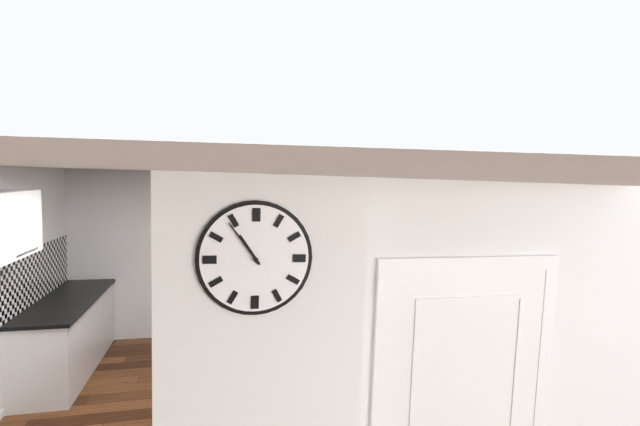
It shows {"hour": 10, "minute": 54}
